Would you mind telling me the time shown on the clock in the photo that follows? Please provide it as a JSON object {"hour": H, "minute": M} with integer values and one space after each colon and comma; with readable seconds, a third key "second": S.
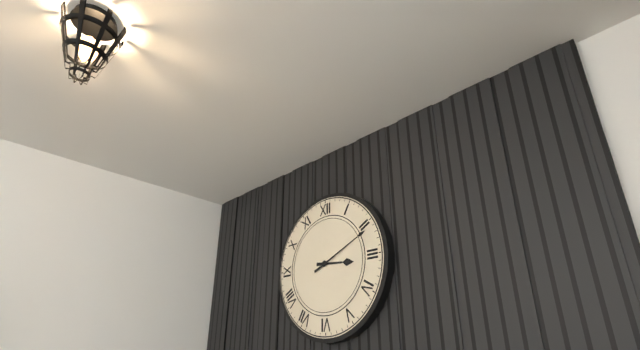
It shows {"hour": 3, "minute": 11}
